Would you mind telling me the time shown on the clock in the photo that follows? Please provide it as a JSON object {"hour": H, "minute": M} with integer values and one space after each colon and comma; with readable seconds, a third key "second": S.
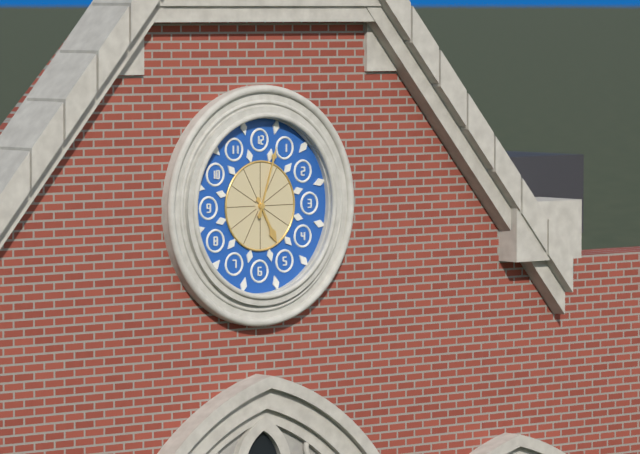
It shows {"hour": 5, "minute": 3}
